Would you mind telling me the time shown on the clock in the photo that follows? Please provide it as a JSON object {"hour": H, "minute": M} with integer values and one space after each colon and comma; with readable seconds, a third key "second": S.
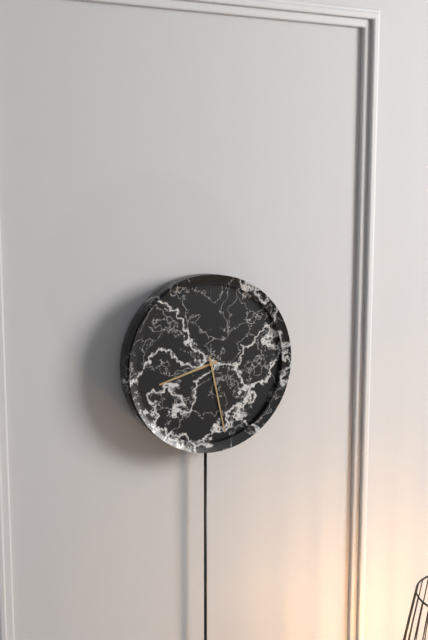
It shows {"hour": 8, "minute": 28}
